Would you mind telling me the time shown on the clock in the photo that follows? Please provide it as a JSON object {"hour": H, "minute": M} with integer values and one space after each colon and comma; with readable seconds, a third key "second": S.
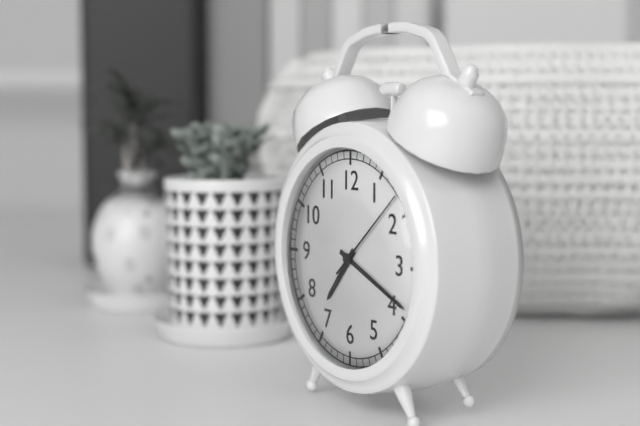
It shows {"hour": 7, "minute": 19, "second": 8}
